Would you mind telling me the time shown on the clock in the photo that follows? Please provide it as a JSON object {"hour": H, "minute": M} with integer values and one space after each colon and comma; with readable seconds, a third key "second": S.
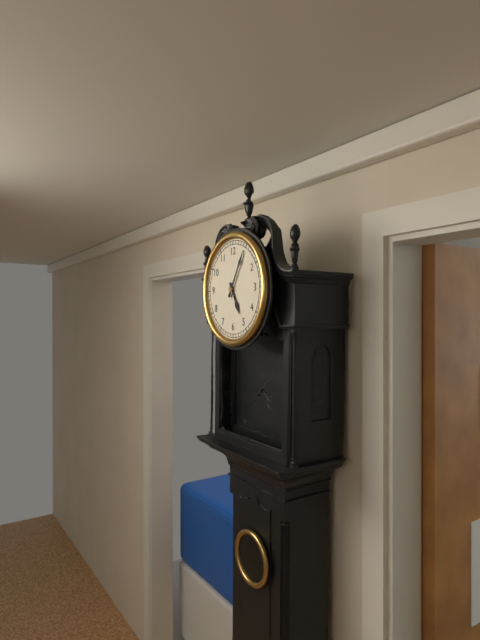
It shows {"hour": 5, "minute": 5}
